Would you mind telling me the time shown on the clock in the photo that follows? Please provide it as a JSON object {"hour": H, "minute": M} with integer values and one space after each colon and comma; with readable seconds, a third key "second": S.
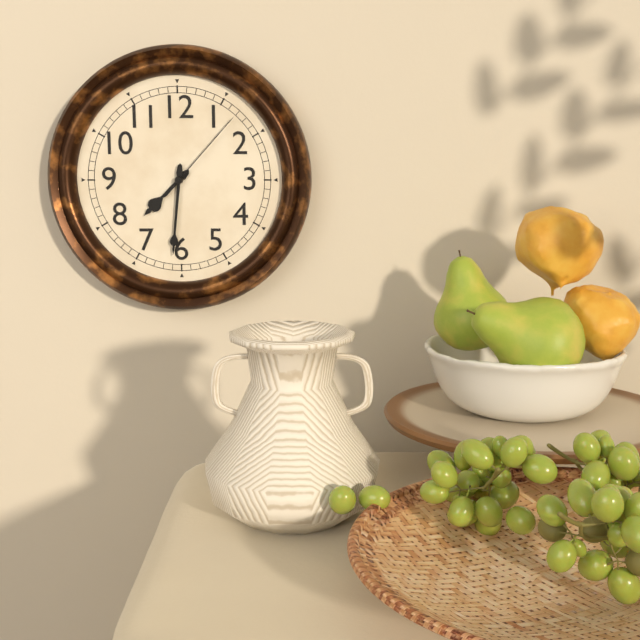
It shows {"hour": 7, "minute": 31, "second": 7}
